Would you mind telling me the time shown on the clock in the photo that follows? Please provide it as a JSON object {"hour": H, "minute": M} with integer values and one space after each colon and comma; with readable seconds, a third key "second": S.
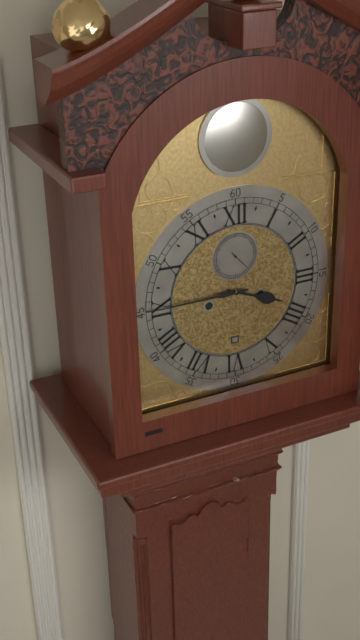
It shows {"hour": 3, "minute": 45}
